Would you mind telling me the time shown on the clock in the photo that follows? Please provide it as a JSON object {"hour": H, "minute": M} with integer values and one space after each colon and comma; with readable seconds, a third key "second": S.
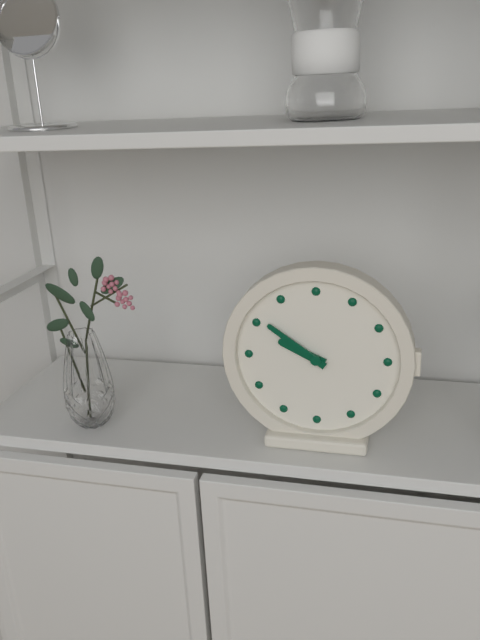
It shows {"hour": 9, "minute": 51}
